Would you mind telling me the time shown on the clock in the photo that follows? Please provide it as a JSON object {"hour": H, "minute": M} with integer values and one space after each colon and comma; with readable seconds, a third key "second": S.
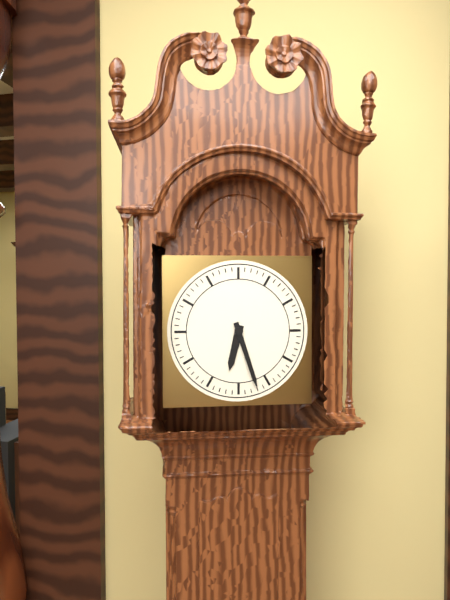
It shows {"hour": 6, "minute": 27}
